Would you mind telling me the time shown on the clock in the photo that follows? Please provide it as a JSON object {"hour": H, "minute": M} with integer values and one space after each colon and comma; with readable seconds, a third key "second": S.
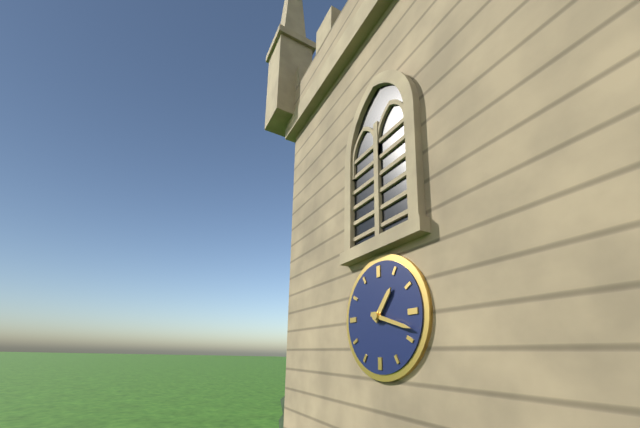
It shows {"hour": 1, "minute": 18}
